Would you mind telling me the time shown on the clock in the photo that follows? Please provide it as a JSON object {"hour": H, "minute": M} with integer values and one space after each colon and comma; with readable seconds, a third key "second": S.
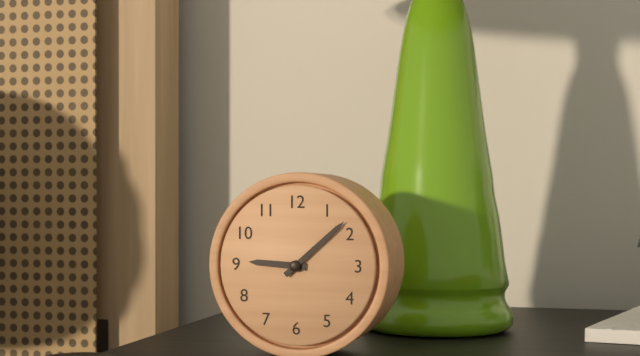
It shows {"hour": 9, "minute": 8}
